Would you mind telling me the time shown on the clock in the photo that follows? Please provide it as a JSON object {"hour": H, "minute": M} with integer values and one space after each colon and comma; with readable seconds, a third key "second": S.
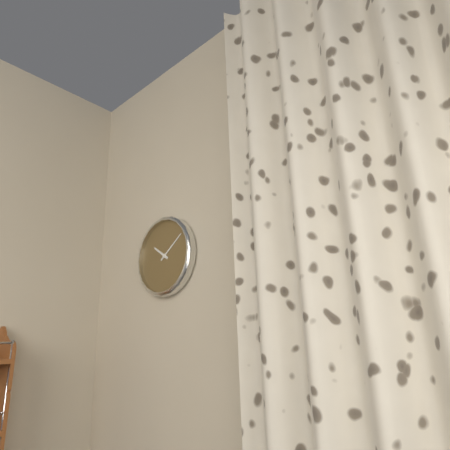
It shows {"hour": 10, "minute": 9}
